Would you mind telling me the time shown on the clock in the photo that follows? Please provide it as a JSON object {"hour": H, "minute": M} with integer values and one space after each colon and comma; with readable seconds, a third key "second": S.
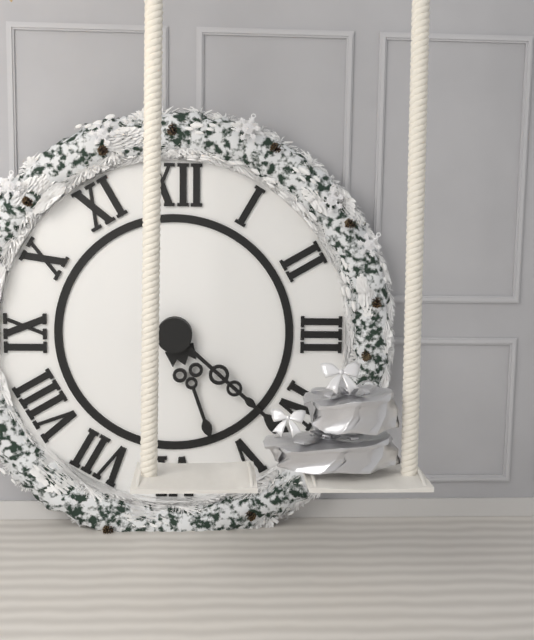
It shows {"hour": 5, "minute": 22}
